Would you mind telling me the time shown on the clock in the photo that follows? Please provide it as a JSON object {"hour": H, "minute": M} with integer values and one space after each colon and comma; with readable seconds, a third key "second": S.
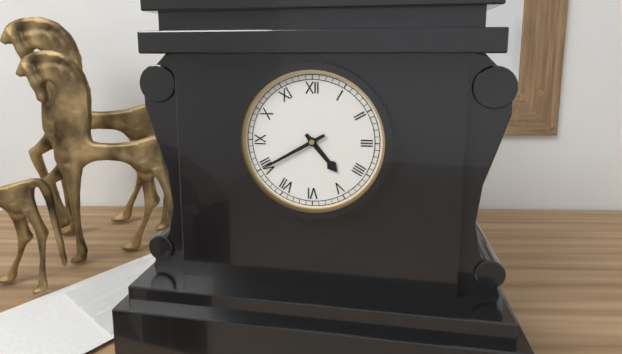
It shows {"hour": 4, "minute": 40}
